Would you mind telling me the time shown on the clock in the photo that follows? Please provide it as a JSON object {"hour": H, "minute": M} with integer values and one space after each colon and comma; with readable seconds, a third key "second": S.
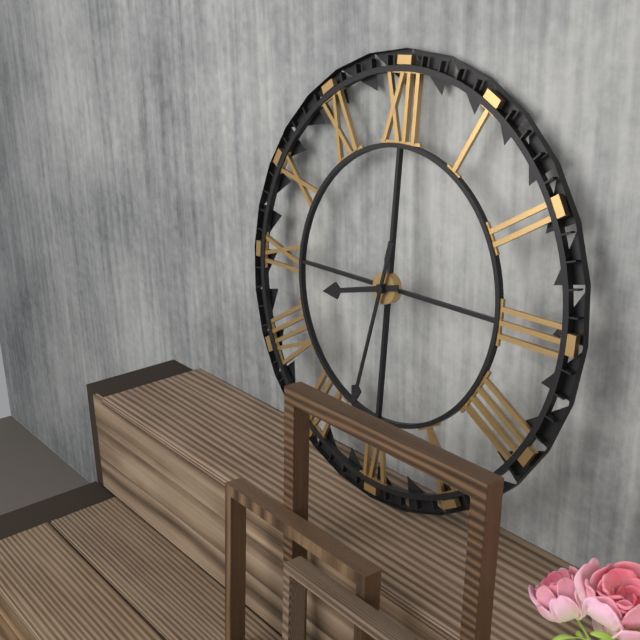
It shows {"hour": 8, "minute": 32}
